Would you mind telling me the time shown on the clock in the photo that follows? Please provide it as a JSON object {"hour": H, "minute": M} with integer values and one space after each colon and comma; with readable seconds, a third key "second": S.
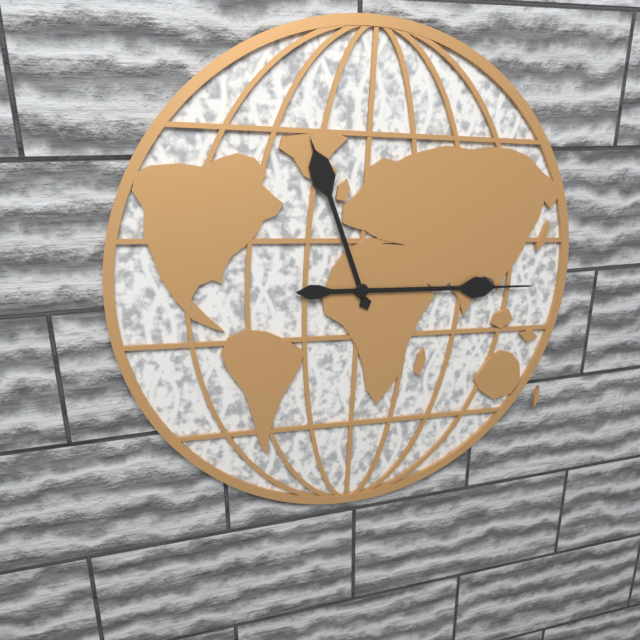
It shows {"hour": 11, "minute": 15}
